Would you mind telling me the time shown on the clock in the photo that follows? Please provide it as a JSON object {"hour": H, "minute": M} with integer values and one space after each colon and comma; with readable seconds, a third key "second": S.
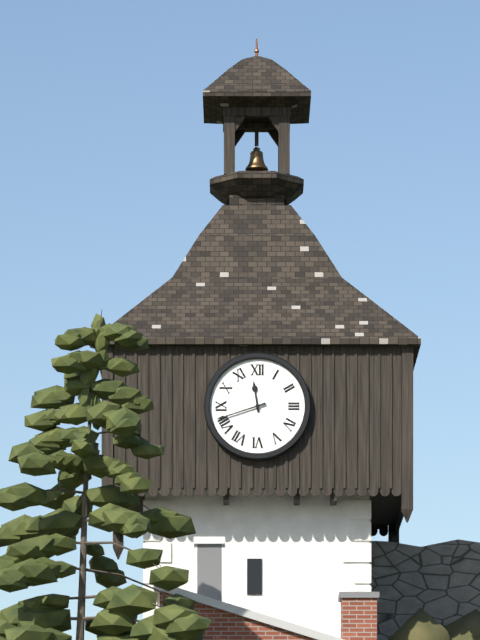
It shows {"hour": 11, "minute": 42}
